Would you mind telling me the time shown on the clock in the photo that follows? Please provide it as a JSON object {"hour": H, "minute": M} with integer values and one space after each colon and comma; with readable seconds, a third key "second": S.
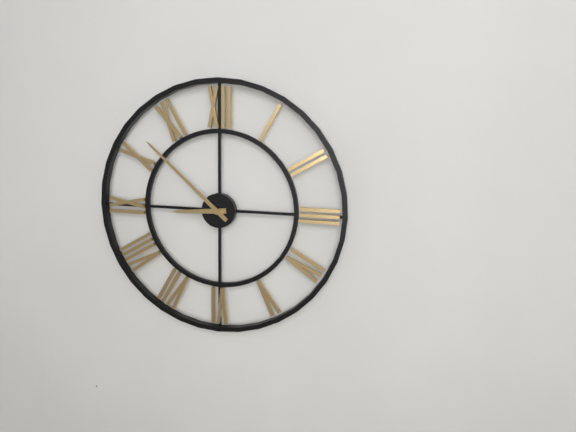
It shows {"hour": 8, "minute": 52}
